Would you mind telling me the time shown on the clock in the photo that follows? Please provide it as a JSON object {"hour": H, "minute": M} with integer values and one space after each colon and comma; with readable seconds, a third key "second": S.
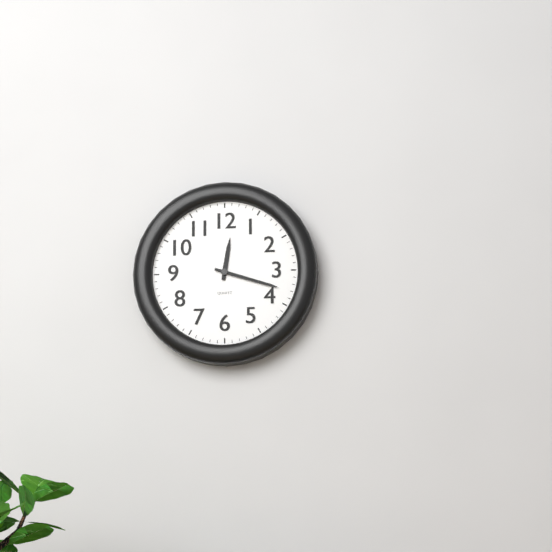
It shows {"hour": 12, "minute": 18}
